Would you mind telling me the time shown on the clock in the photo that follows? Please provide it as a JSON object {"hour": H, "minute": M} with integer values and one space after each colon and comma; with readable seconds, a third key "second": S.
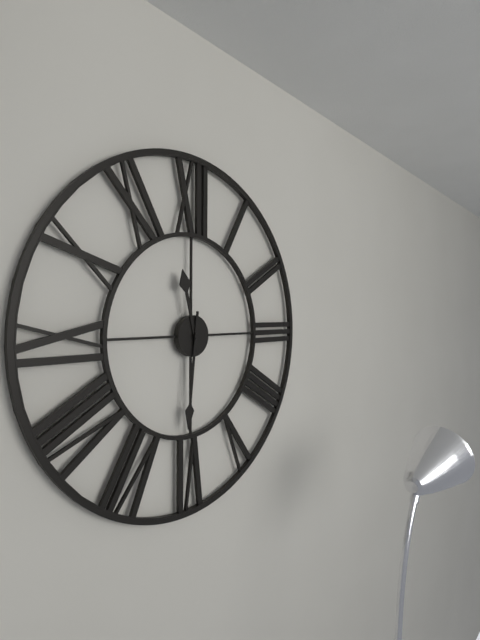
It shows {"hour": 11, "minute": 31}
